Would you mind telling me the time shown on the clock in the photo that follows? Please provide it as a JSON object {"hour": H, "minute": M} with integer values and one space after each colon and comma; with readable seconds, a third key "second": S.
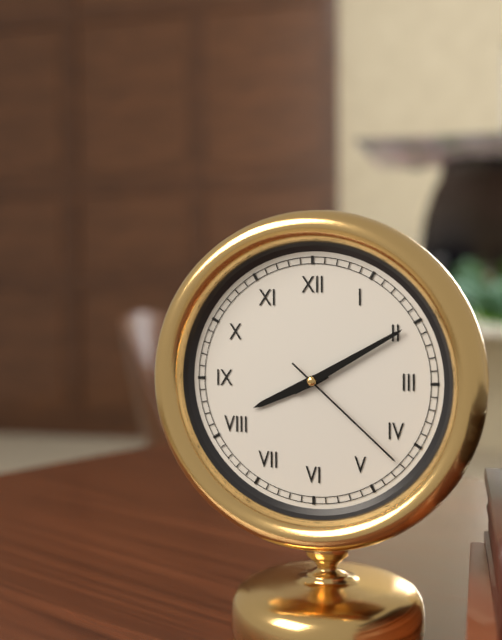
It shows {"hour": 8, "minute": 10, "second": 22}
